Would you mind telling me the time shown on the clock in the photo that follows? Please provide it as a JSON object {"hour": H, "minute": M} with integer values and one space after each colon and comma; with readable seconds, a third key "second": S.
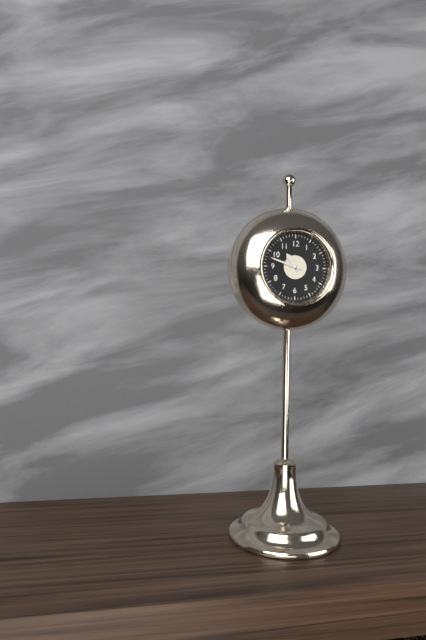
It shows {"hour": 10, "minute": 48}
